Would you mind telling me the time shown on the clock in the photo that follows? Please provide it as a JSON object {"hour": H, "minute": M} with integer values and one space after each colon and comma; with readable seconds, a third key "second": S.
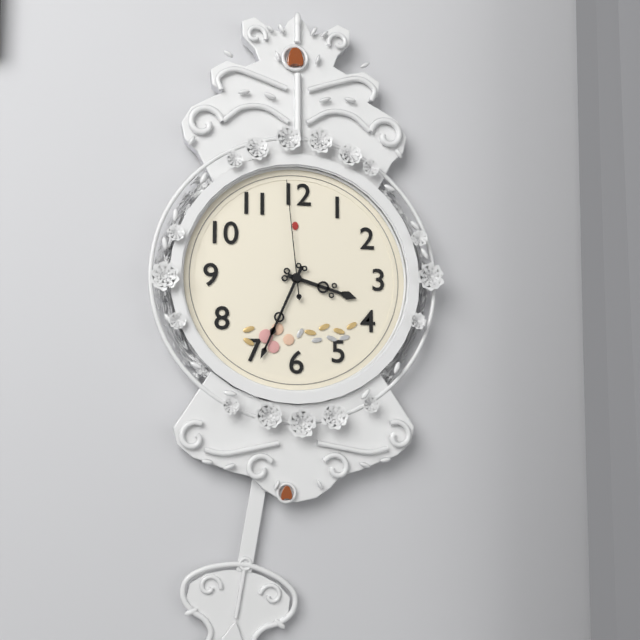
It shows {"hour": 3, "minute": 34, "second": 59}
